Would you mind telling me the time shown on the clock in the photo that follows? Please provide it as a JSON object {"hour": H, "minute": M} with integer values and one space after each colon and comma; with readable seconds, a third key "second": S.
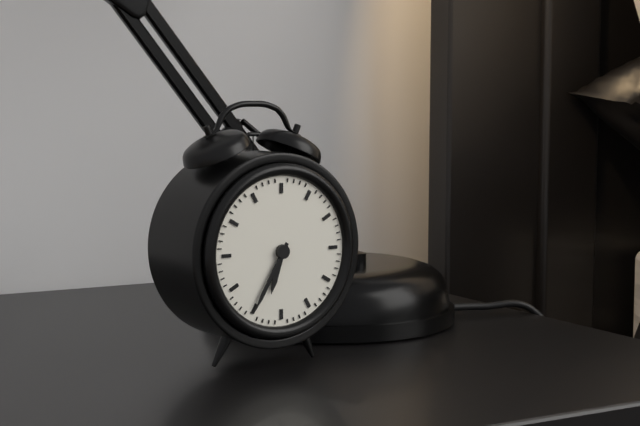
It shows {"hour": 6, "minute": 35}
